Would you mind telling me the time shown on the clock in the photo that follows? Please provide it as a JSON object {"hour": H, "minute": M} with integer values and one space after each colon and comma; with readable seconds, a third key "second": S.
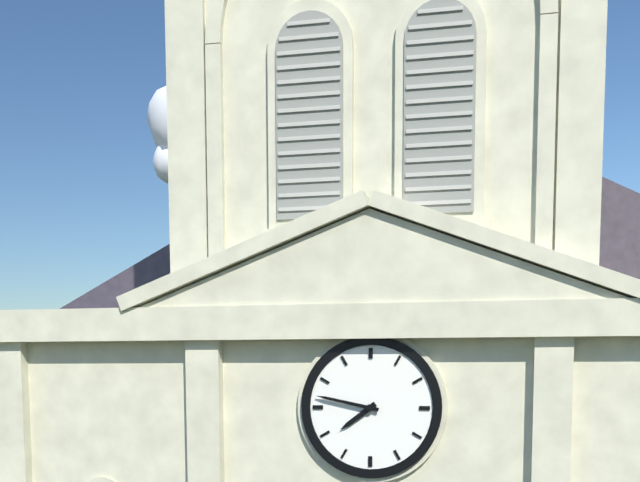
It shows {"hour": 7, "minute": 47}
